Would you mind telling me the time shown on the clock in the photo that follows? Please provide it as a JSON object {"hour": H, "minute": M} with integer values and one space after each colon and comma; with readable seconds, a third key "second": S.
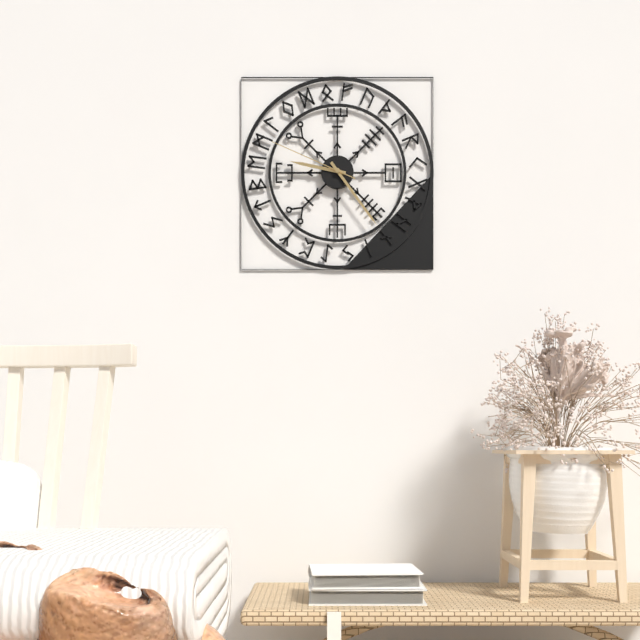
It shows {"hour": 9, "minute": 24, "second": 49}
